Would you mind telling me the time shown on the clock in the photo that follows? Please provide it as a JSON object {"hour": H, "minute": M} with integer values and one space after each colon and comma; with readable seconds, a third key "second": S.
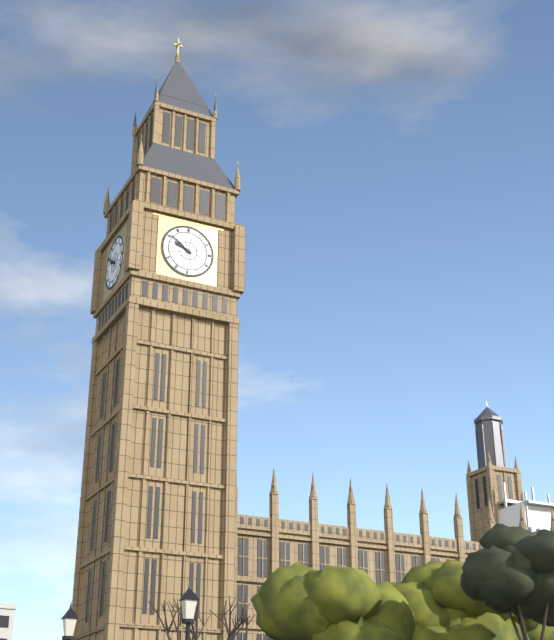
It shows {"hour": 9, "minute": 51}
